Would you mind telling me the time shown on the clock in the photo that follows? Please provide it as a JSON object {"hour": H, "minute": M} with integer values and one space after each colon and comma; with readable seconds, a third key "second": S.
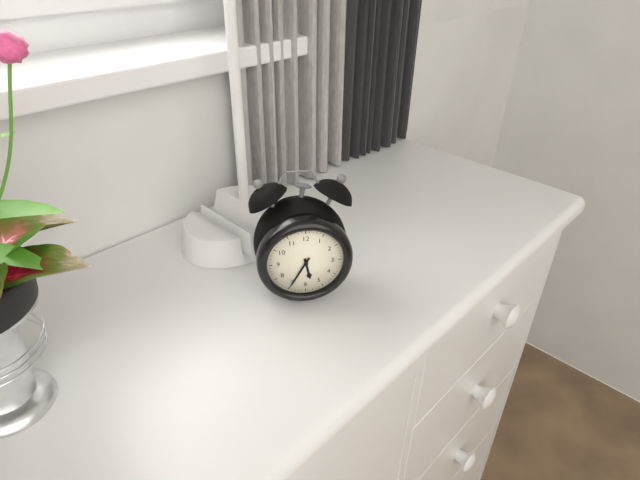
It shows {"hour": 5, "minute": 35}
